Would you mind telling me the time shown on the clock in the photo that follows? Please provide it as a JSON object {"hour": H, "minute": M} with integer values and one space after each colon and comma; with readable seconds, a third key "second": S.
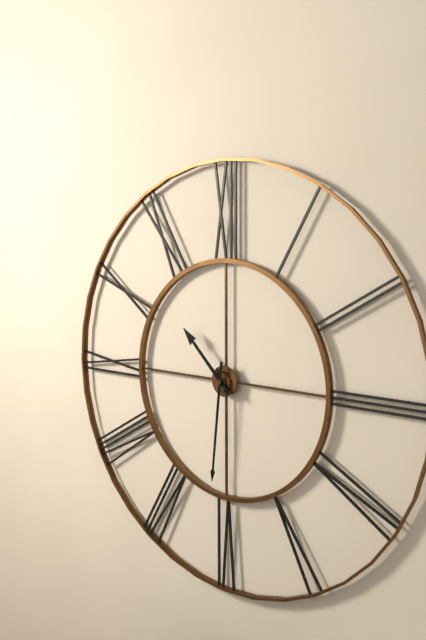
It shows {"hour": 10, "minute": 31}
